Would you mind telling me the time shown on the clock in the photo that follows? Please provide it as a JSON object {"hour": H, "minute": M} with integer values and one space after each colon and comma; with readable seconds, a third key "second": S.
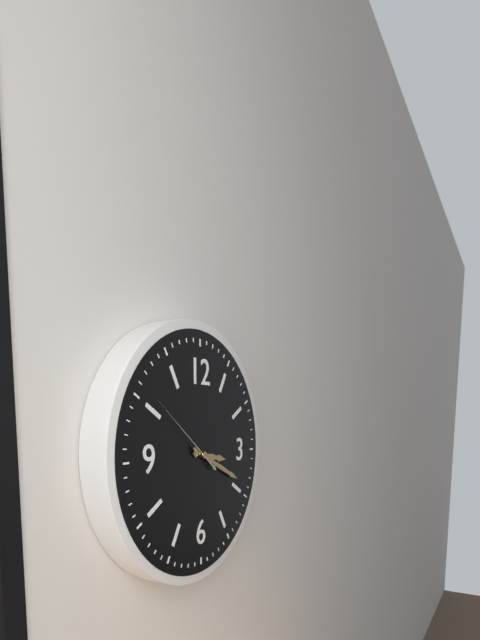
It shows {"hour": 3, "minute": 19, "second": 51}
